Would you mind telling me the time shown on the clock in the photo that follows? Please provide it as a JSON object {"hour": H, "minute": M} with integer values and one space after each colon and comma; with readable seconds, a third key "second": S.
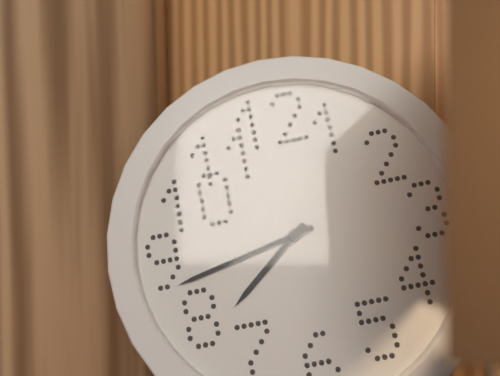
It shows {"hour": 7, "minute": 43}
